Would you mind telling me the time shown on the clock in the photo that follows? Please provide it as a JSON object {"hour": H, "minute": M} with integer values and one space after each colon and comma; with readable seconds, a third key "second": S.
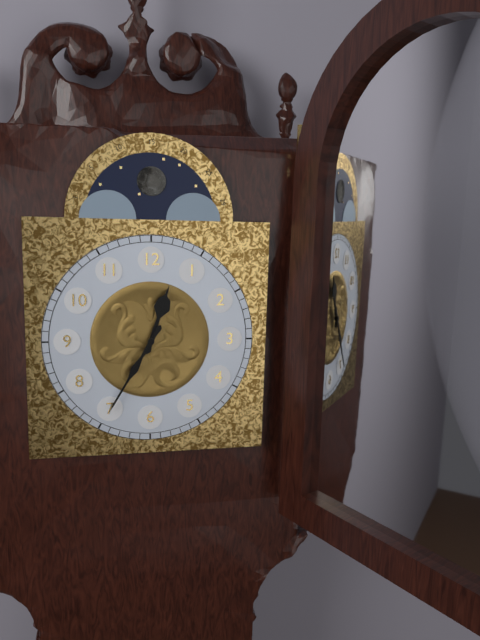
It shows {"hour": 12, "minute": 35}
